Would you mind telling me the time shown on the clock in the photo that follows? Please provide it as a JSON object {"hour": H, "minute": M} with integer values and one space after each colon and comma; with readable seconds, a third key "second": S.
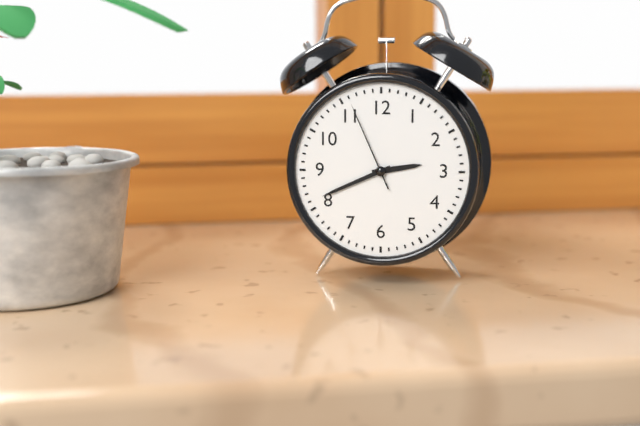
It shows {"hour": 2, "minute": 41, "second": 56}
